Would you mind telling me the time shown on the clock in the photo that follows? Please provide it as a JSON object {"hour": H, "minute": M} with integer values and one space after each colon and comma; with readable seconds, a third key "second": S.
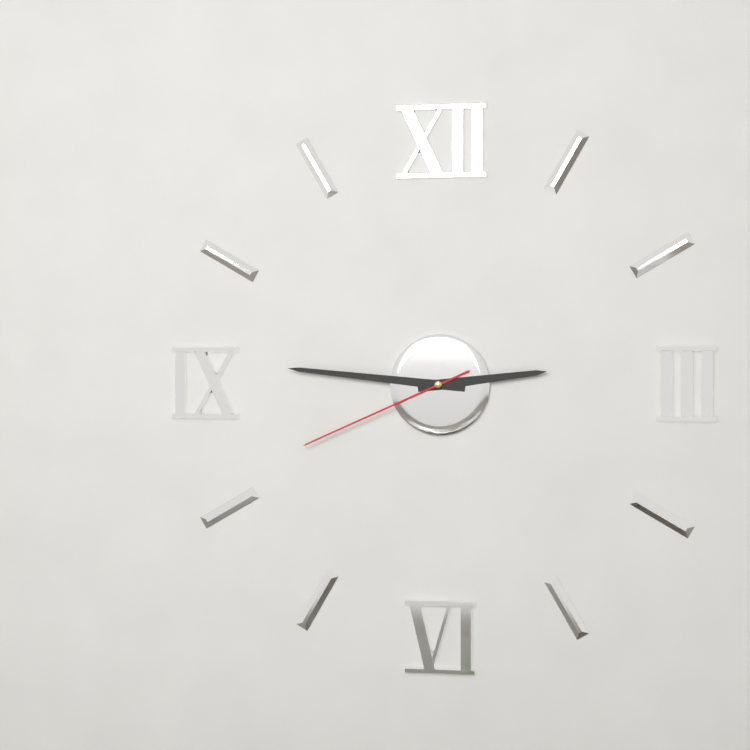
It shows {"hour": 2, "minute": 46, "second": 41}
